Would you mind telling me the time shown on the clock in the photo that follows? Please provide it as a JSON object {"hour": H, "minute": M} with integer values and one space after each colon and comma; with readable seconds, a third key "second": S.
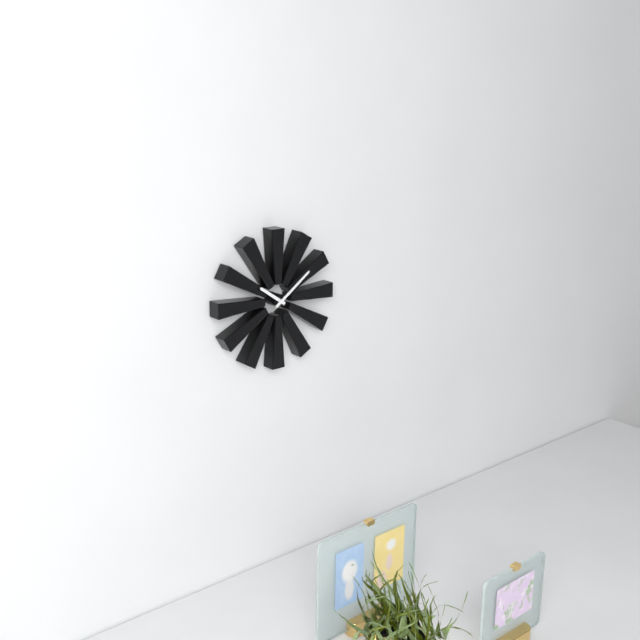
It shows {"hour": 10, "minute": 9}
